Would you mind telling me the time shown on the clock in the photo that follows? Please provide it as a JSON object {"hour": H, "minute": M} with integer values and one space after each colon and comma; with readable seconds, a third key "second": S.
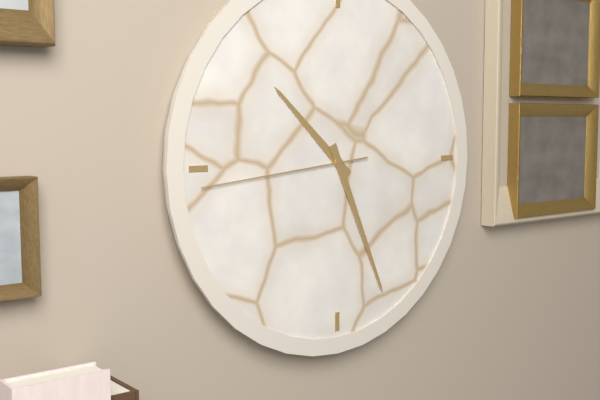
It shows {"hour": 10, "minute": 26, "second": 44}
